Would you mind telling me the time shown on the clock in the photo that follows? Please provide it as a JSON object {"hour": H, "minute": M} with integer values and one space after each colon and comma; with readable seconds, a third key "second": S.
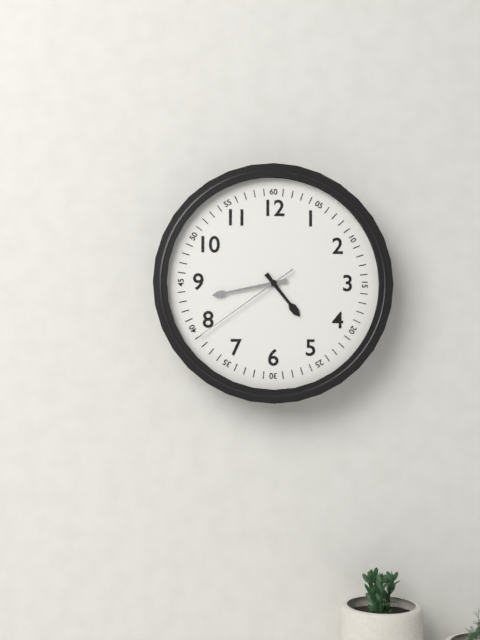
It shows {"hour": 4, "minute": 43, "second": 39}
